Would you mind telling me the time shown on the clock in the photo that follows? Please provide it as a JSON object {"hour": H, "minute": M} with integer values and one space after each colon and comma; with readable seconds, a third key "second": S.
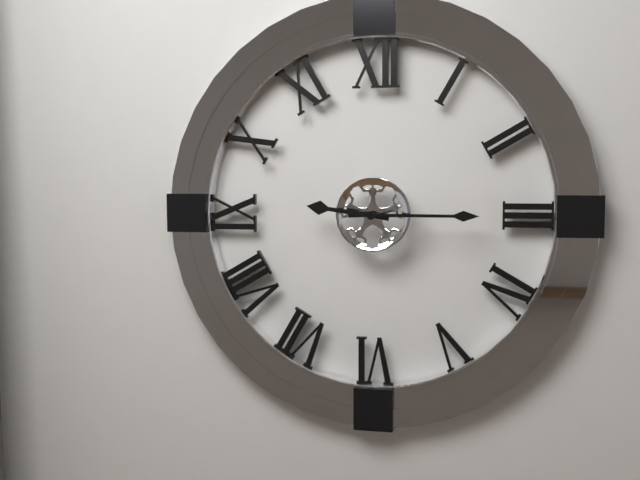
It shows {"hour": 9, "minute": 15}
